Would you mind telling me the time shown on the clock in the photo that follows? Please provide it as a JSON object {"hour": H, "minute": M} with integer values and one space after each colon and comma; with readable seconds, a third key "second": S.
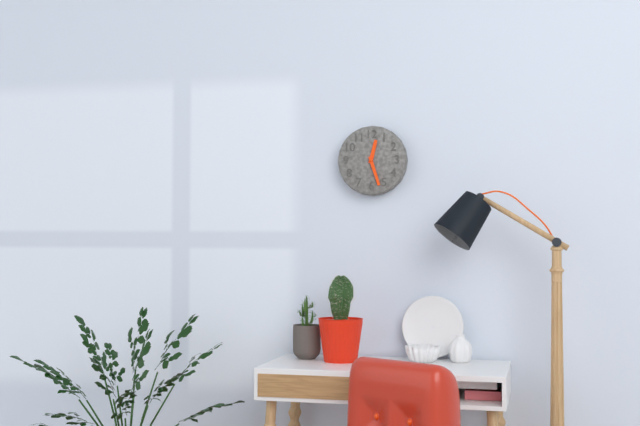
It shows {"hour": 12, "minute": 27}
